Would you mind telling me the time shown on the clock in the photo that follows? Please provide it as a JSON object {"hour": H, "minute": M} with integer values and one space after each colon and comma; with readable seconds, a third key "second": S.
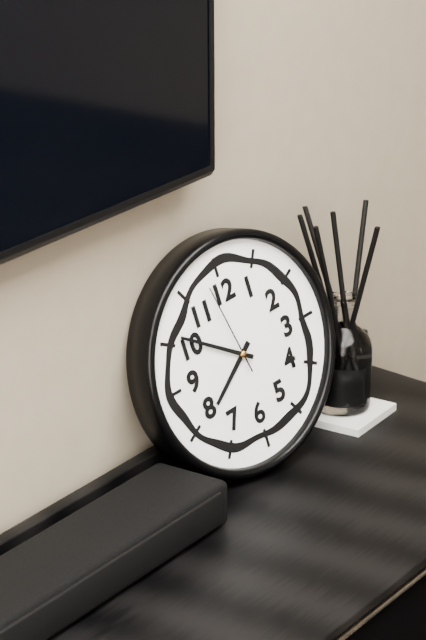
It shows {"hour": 7, "minute": 51, "second": 58}
